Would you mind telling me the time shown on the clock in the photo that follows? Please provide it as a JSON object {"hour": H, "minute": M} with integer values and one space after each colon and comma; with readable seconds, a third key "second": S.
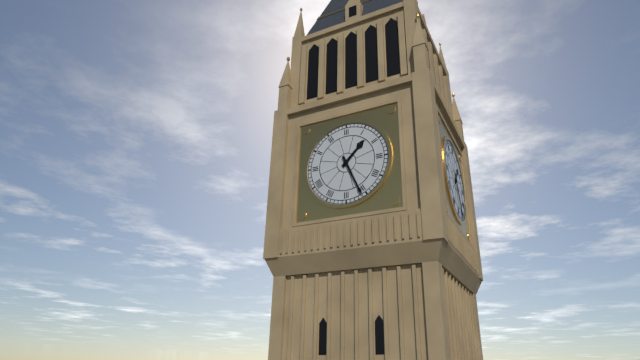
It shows {"hour": 1, "minute": 26}
